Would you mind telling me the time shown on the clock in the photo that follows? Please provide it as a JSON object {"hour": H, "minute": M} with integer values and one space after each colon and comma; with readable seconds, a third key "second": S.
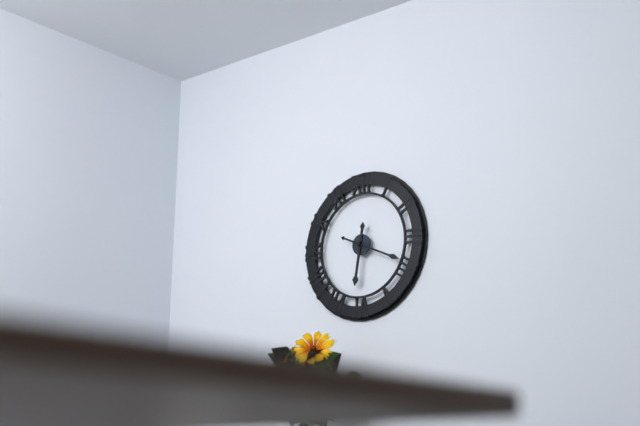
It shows {"hour": 6, "minute": 19}
